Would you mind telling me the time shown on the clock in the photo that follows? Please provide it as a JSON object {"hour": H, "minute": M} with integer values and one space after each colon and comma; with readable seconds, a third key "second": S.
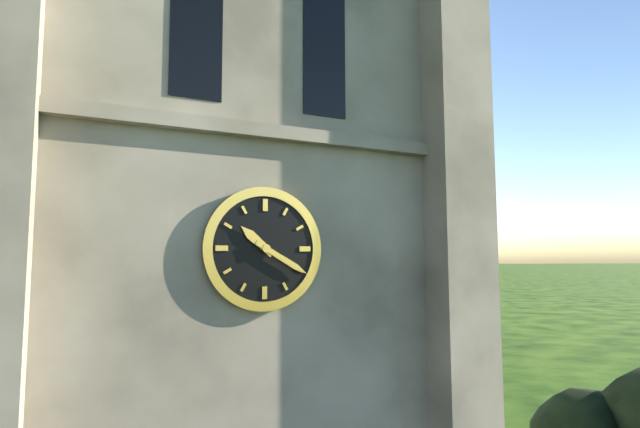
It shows {"hour": 10, "minute": 20}
